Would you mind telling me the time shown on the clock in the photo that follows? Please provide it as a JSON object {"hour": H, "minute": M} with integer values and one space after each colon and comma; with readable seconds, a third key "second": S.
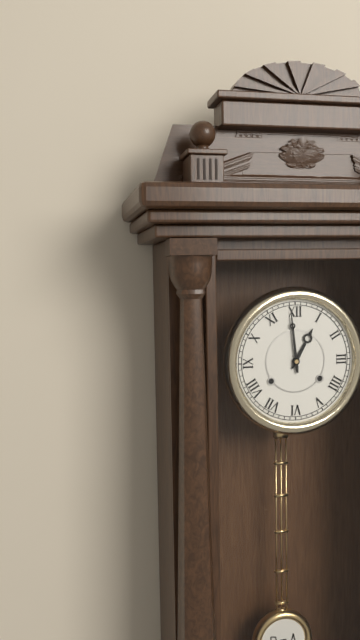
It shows {"hour": 12, "minute": 59}
